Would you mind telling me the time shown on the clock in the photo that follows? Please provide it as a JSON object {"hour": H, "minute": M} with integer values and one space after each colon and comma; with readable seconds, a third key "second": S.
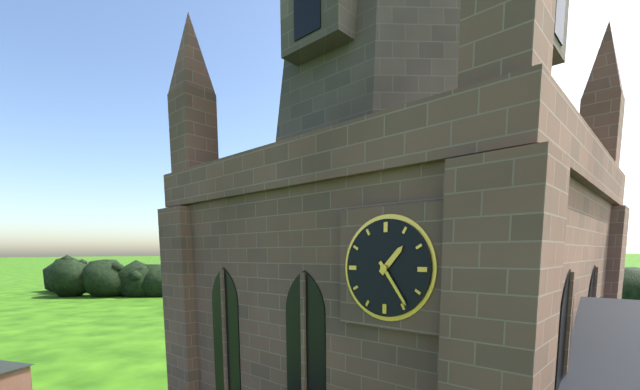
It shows {"hour": 1, "minute": 24}
